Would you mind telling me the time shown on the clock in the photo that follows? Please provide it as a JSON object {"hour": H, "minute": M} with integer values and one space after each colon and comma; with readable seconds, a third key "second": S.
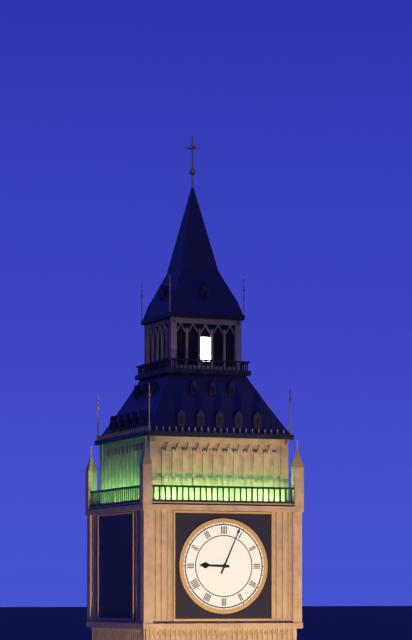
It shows {"hour": 9, "minute": 4}
